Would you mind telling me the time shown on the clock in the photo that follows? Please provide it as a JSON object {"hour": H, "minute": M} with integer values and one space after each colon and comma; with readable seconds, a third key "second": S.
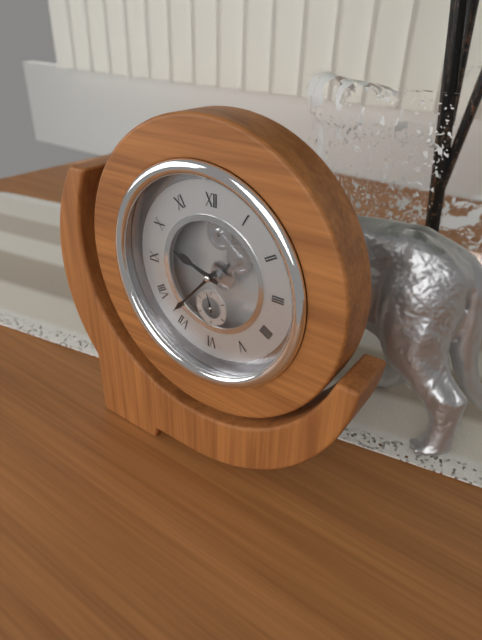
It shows {"hour": 9, "minute": 37}
